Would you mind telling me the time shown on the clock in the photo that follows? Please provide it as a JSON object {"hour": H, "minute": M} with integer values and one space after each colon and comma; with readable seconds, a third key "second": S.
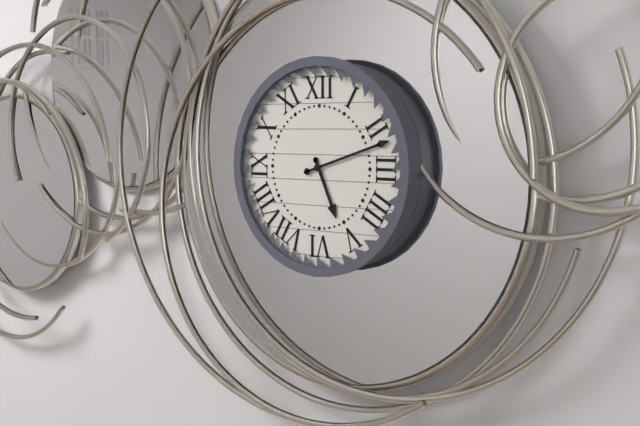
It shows {"hour": 5, "minute": 12}
